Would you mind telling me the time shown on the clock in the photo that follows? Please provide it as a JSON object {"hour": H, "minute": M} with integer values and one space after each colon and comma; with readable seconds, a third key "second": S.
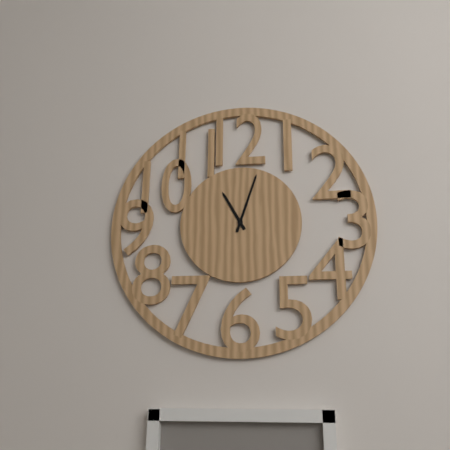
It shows {"hour": 11, "minute": 3}
